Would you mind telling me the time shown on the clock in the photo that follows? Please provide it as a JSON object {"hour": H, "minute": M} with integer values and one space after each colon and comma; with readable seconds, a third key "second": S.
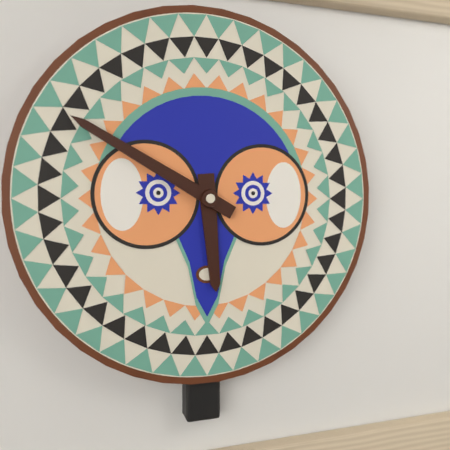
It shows {"hour": 5, "minute": 50}
